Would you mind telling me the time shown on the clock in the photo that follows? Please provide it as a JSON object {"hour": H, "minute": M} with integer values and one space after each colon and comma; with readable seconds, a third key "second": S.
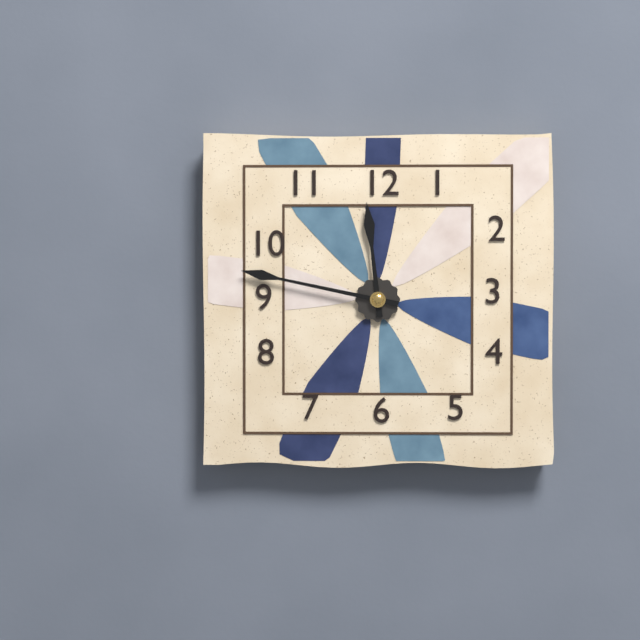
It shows {"hour": 11, "minute": 47}
